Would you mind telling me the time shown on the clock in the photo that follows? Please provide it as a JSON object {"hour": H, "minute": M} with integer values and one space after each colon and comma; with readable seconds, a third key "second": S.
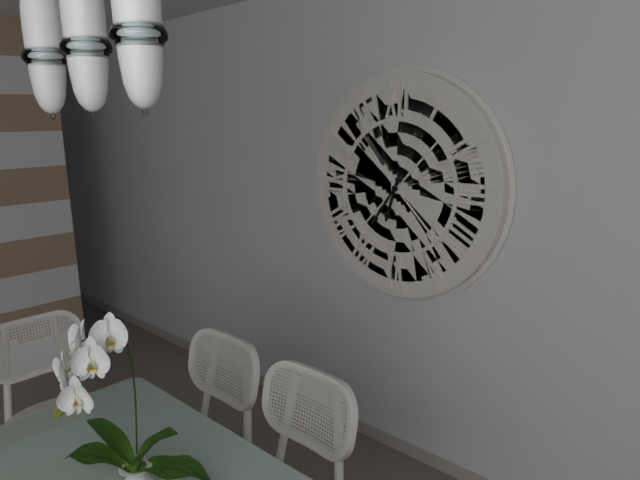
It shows {"hour": 6, "minute": 36}
